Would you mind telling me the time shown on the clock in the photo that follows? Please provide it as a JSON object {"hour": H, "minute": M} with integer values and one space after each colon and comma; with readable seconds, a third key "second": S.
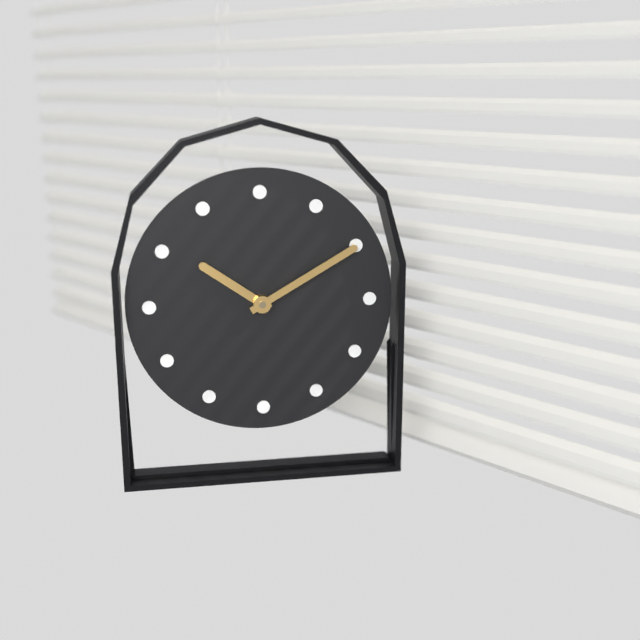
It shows {"hour": 10, "minute": 10}
